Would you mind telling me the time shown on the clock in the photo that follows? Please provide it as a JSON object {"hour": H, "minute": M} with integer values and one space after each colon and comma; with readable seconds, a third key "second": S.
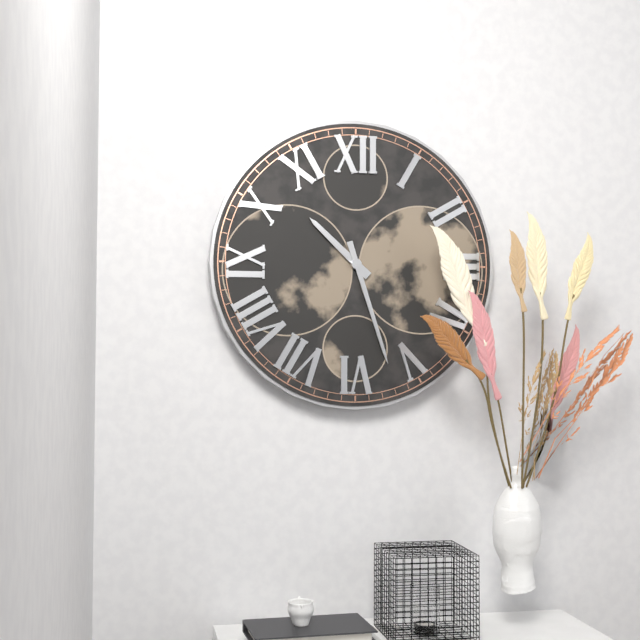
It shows {"hour": 10, "minute": 27}
